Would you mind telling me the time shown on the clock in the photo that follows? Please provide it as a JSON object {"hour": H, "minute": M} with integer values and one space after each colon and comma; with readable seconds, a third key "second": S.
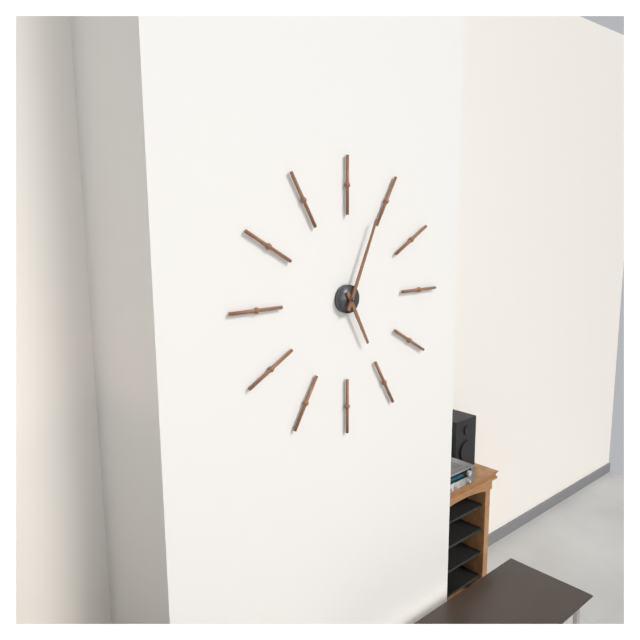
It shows {"hour": 5, "minute": 4}
